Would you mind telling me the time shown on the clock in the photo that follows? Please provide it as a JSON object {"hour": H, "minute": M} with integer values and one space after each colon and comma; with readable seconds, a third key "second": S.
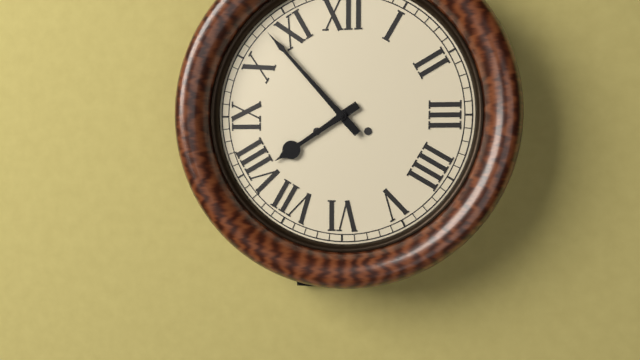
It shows {"hour": 7, "minute": 53}
